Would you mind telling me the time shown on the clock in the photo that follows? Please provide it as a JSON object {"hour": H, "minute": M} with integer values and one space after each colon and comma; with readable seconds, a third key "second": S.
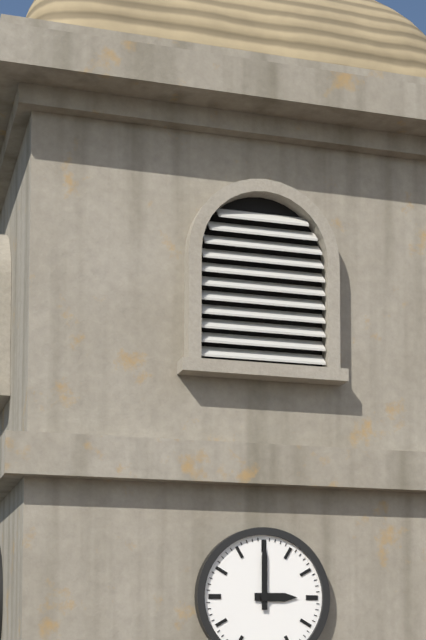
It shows {"hour": 3, "minute": 0}
